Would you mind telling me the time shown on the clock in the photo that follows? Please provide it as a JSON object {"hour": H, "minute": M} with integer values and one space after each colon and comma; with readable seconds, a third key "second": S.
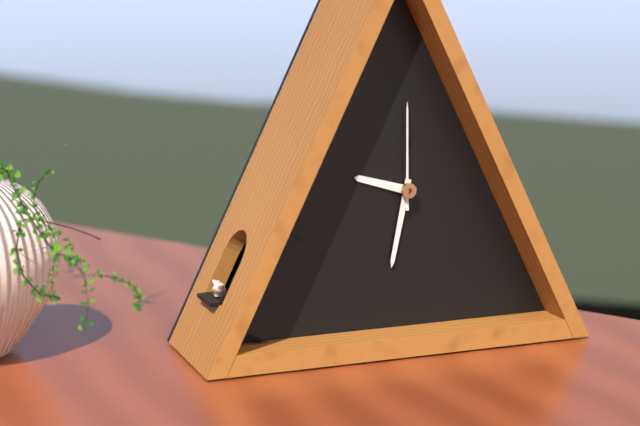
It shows {"hour": 9, "minute": 32, "second": 0}
